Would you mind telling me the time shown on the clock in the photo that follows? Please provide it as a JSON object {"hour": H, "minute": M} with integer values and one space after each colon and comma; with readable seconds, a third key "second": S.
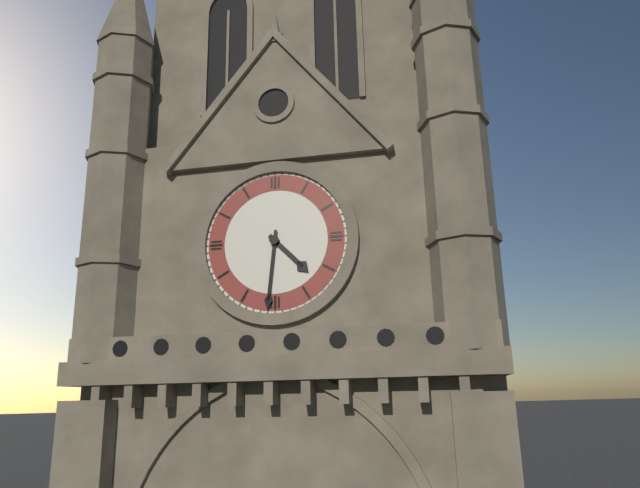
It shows {"hour": 4, "minute": 31}
